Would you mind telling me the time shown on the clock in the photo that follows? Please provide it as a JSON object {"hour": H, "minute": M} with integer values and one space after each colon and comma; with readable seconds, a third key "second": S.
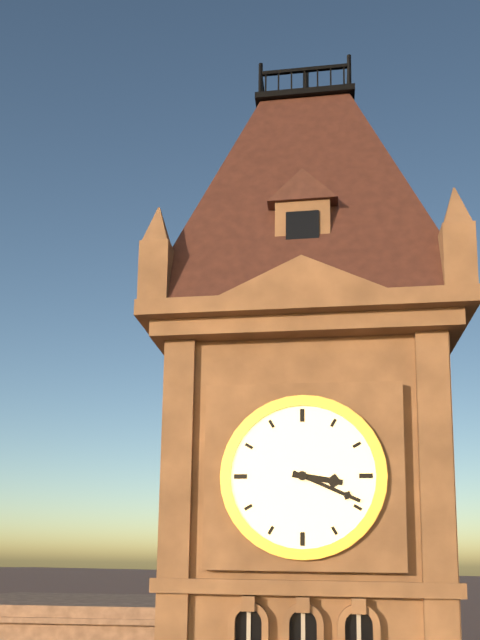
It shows {"hour": 3, "minute": 19}
